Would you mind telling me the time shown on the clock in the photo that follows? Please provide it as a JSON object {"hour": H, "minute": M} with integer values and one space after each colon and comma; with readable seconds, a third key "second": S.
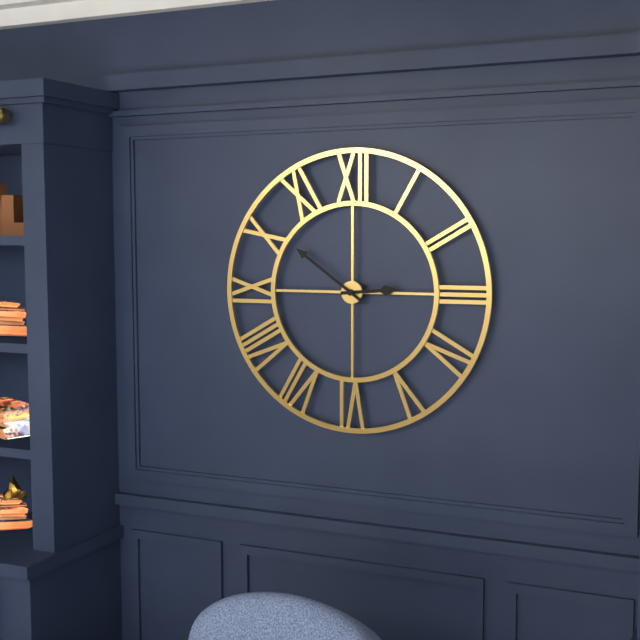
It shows {"hour": 2, "minute": 51}
